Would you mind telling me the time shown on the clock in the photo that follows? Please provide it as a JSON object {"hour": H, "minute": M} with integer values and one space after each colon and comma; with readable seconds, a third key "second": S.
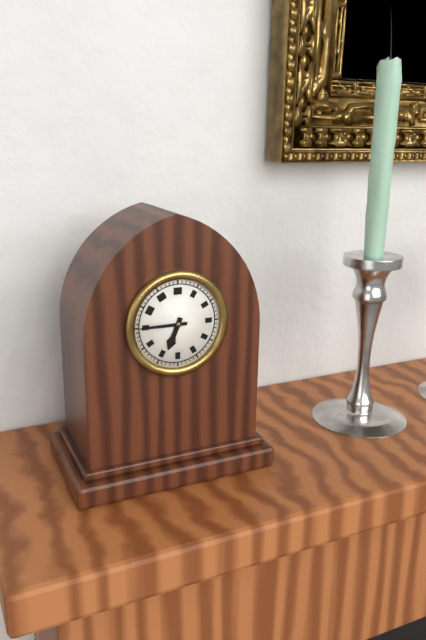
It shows {"hour": 6, "minute": 45}
